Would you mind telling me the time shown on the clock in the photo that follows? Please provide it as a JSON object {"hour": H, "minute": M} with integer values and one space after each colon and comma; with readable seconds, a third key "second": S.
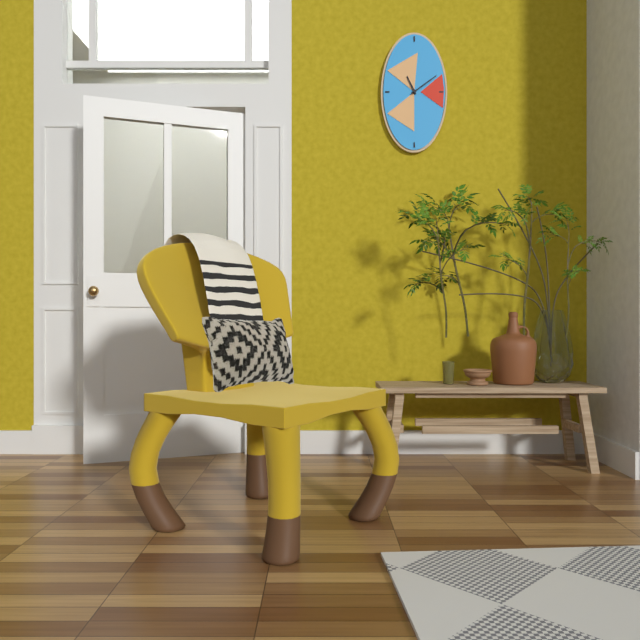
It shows {"hour": 11, "minute": 9}
